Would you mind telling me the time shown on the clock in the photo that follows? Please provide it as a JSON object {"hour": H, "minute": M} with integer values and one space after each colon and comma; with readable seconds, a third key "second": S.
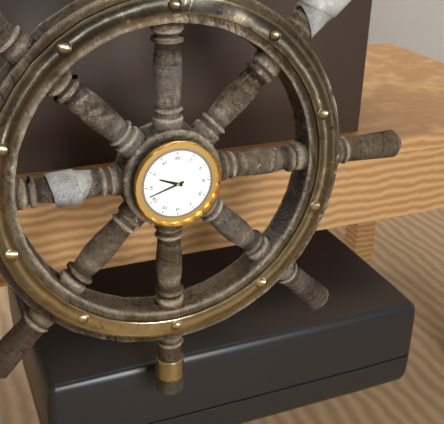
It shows {"hour": 9, "minute": 42}
